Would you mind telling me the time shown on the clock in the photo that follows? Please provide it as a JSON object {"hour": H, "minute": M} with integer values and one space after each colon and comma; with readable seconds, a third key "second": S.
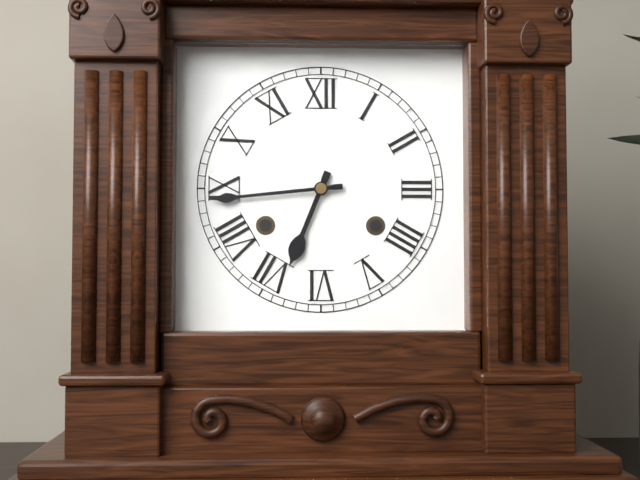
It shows {"hour": 6, "minute": 44}
